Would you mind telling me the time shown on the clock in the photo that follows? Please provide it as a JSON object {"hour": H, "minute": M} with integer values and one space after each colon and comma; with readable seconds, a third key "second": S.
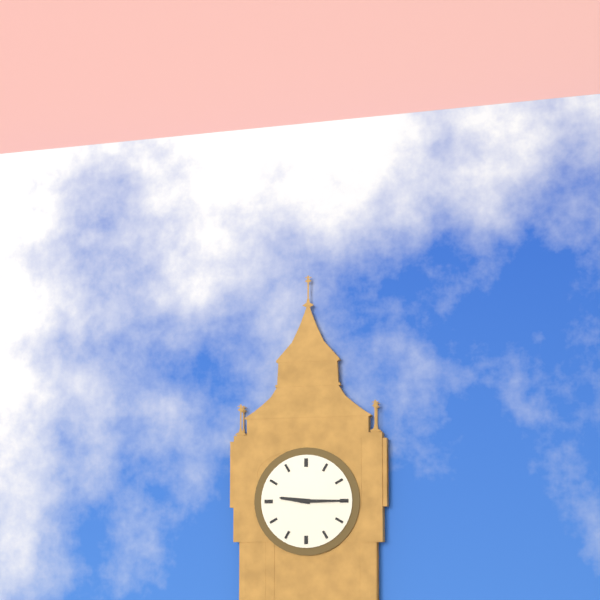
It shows {"hour": 9, "minute": 15}
